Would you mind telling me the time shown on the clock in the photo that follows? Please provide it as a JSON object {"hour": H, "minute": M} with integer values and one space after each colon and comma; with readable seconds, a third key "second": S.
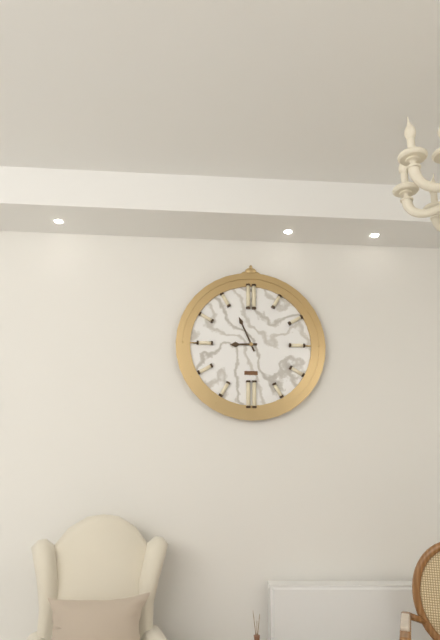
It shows {"hour": 8, "minute": 56}
